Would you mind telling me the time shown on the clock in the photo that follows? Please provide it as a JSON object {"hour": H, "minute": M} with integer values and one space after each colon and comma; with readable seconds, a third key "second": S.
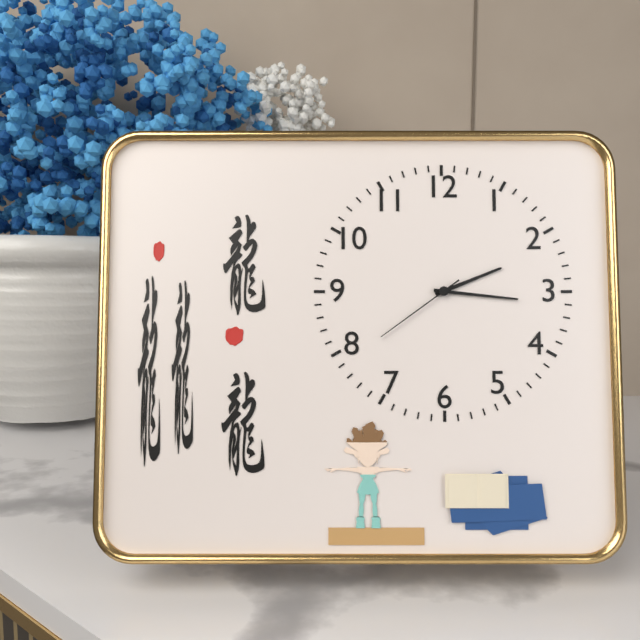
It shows {"hour": 2, "minute": 16, "second": 39}
